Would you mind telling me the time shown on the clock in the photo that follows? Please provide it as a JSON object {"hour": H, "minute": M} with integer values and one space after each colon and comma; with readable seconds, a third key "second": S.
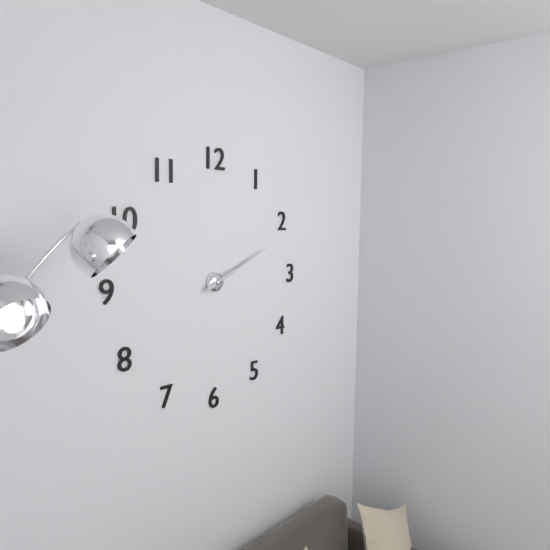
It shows {"hour": 2, "minute": 11}
